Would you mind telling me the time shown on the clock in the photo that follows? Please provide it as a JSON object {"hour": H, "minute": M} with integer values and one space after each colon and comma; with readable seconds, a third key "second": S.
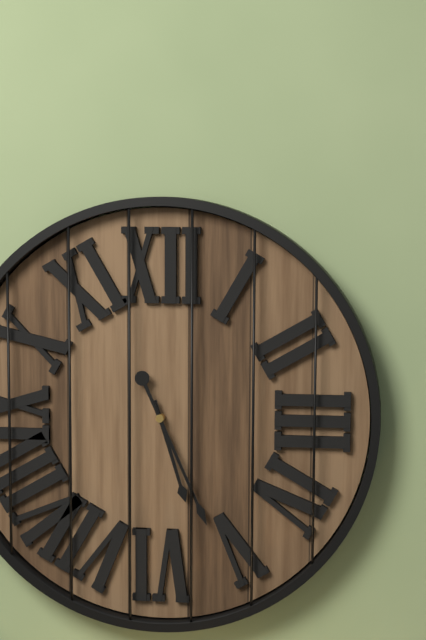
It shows {"hour": 5, "minute": 26}
